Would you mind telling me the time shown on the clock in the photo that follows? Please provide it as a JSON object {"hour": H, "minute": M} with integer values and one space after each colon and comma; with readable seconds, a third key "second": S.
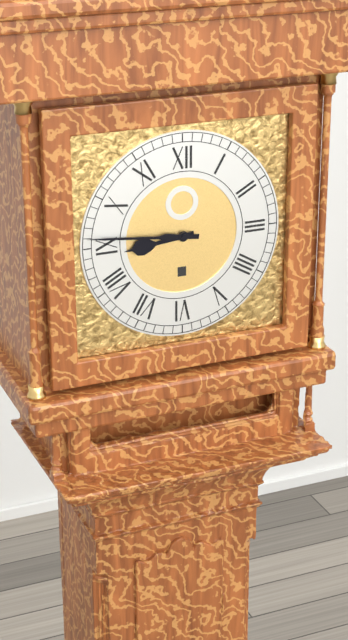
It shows {"hour": 8, "minute": 46}
